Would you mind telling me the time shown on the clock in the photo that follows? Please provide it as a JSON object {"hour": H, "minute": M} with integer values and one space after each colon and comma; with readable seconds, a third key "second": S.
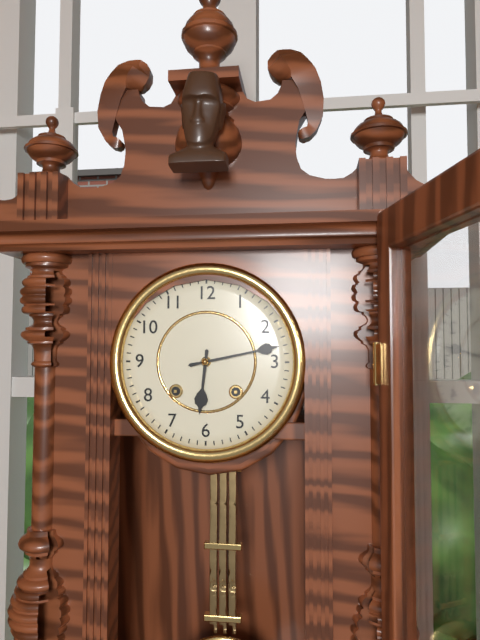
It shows {"hour": 6, "minute": 13}
